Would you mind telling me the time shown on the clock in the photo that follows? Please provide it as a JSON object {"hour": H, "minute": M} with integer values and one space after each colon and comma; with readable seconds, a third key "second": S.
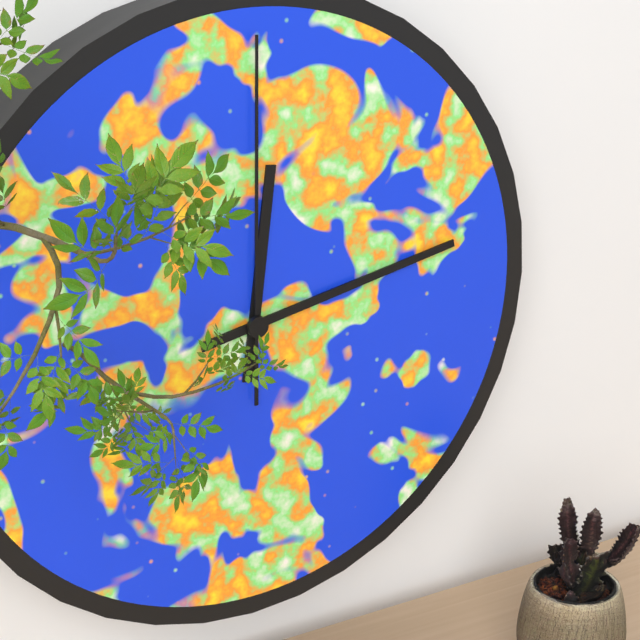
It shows {"hour": 12, "minute": 13, "second": 0}
